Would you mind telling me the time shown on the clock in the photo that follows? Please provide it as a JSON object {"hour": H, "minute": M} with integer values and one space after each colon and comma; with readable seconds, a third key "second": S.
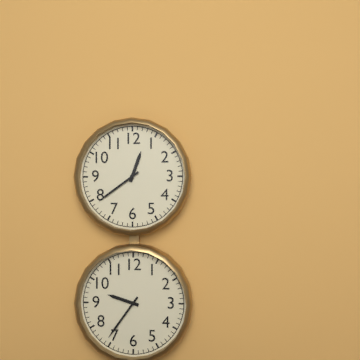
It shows {"hour": 12, "minute": 39}
